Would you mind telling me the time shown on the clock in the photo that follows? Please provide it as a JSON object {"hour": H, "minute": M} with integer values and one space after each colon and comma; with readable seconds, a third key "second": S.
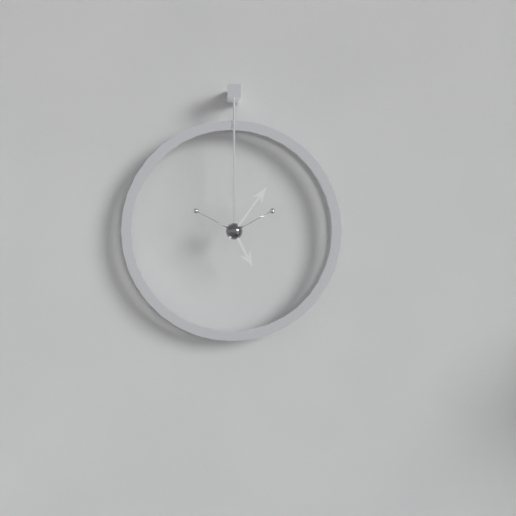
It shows {"hour": 5, "minute": 6}
